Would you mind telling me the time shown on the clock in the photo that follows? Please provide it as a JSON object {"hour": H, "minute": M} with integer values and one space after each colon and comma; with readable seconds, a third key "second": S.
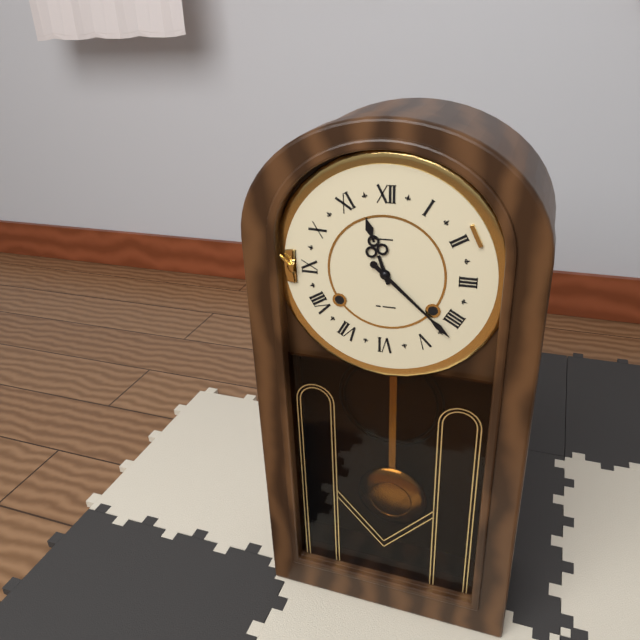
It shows {"hour": 11, "minute": 22}
